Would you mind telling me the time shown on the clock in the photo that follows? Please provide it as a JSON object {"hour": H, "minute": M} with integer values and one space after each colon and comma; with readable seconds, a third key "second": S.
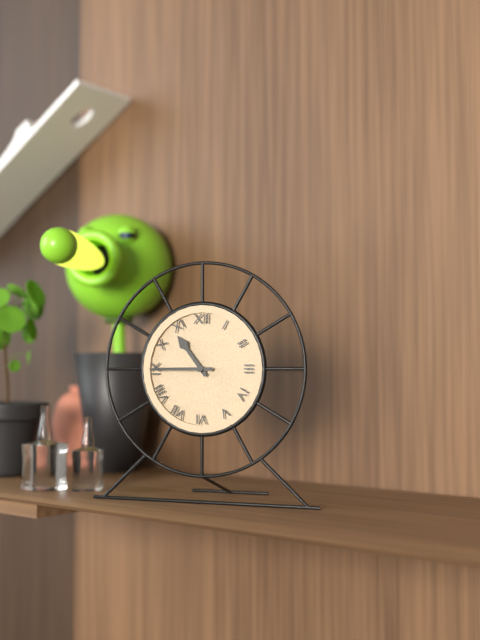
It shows {"hour": 10, "minute": 45}
